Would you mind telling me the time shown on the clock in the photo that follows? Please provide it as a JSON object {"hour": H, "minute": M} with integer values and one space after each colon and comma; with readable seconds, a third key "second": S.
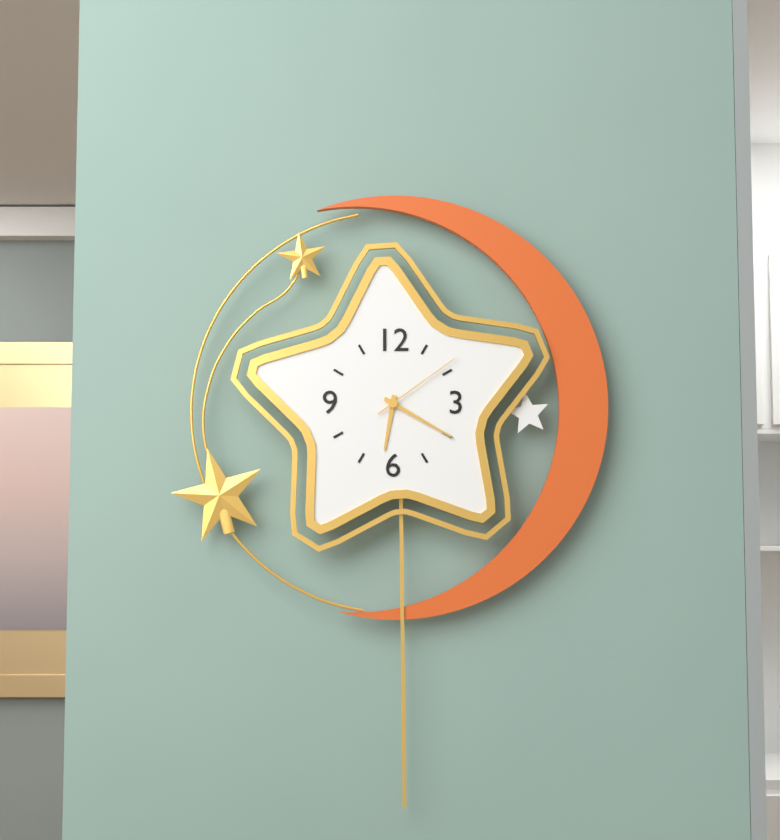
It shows {"hour": 6, "minute": 20, "second": 9}
